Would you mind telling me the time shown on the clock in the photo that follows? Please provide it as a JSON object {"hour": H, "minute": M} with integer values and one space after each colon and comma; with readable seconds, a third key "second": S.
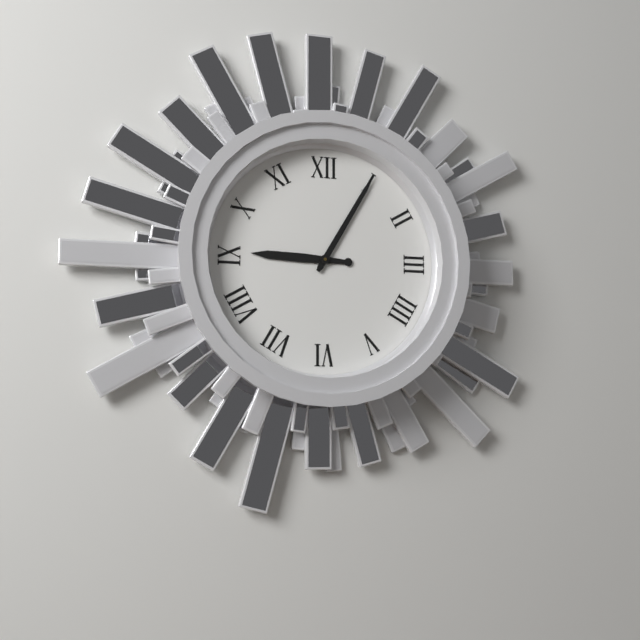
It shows {"hour": 9, "minute": 5}
